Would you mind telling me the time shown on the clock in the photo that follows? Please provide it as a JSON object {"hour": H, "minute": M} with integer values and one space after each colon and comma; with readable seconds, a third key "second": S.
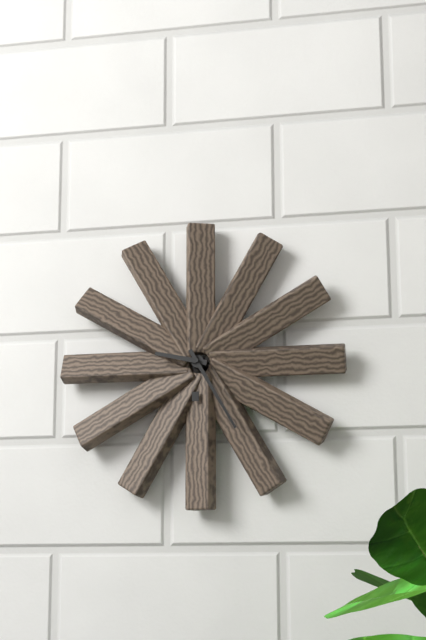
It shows {"hour": 9, "minute": 25}
